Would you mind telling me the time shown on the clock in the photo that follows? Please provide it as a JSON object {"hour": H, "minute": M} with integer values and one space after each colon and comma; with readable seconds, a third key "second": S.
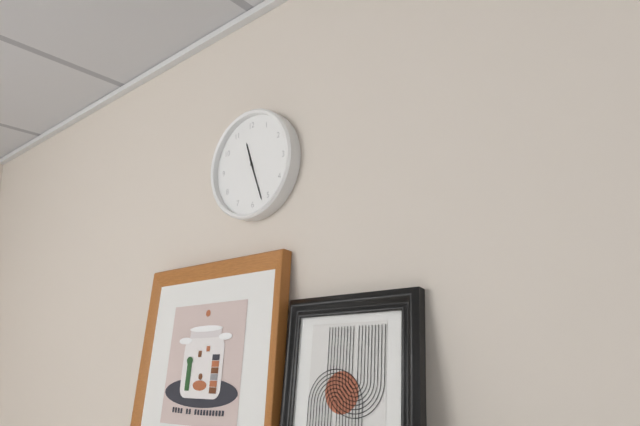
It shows {"hour": 11, "minute": 27}
